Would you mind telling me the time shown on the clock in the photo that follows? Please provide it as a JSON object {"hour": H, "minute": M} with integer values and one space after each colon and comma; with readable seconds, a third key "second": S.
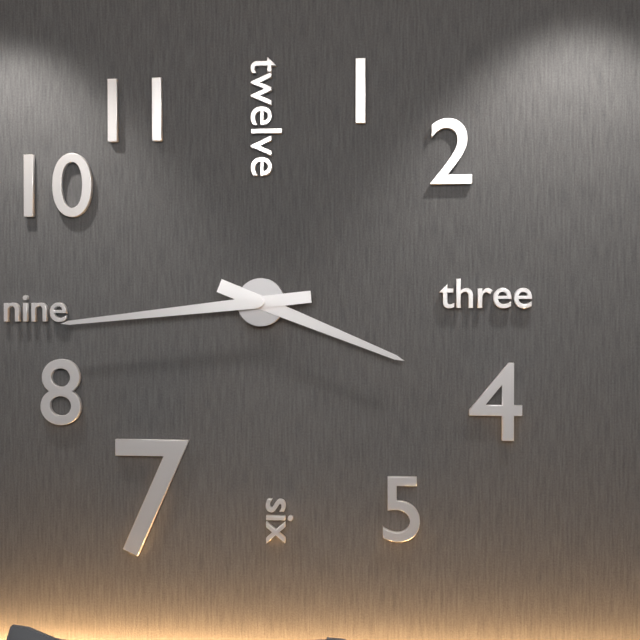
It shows {"hour": 3, "minute": 44}
